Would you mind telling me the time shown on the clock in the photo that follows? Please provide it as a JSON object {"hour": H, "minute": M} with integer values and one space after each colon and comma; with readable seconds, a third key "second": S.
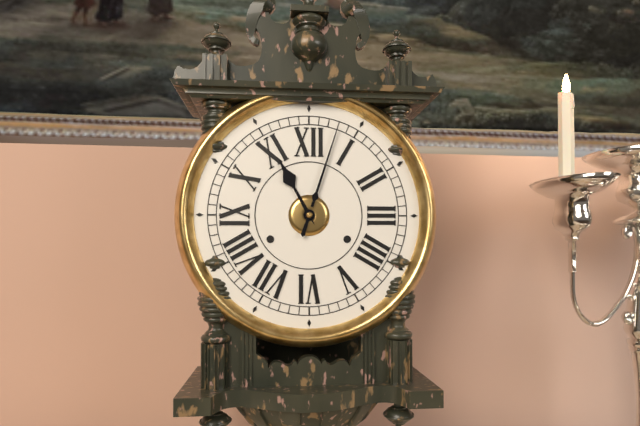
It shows {"hour": 11, "minute": 3}
